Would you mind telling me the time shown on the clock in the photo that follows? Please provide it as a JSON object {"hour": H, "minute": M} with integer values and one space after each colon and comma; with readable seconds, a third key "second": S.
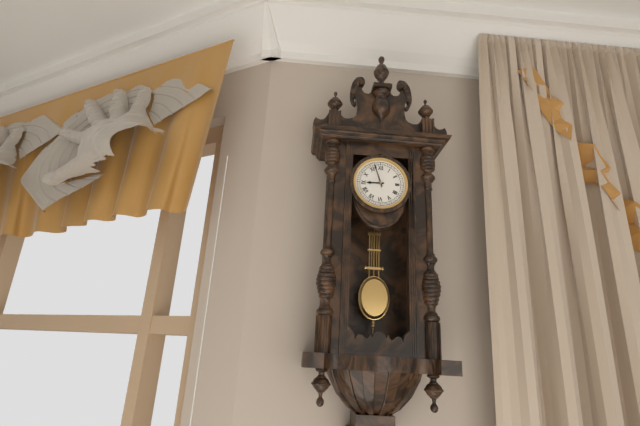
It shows {"hour": 8, "minute": 57}
